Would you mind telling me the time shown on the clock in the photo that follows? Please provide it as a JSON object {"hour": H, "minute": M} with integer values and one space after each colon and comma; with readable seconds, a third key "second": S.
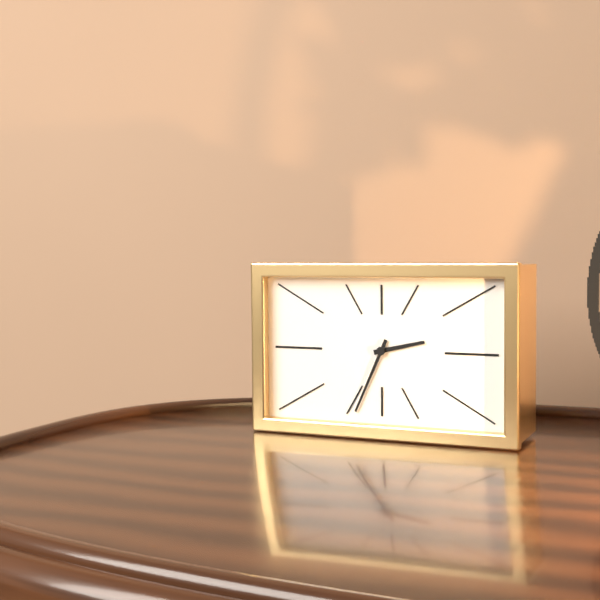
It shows {"hour": 2, "minute": 34}
